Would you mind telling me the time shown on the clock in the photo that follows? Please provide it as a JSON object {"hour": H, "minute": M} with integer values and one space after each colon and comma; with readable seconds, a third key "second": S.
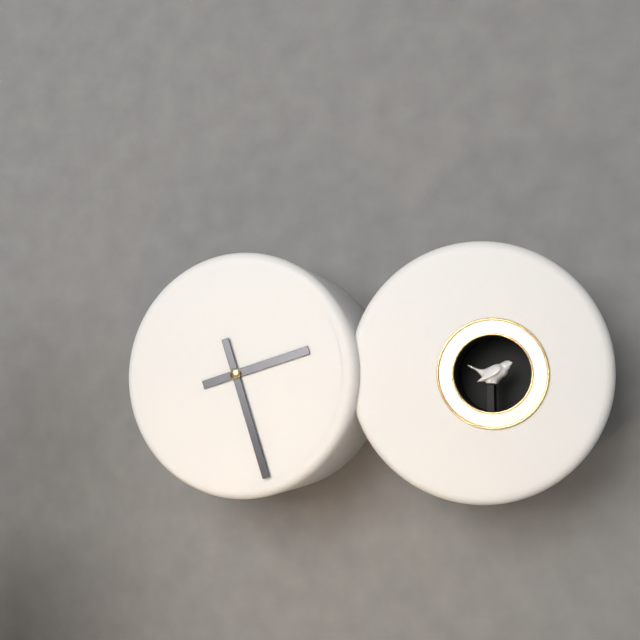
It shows {"hour": 2, "minute": 27}
